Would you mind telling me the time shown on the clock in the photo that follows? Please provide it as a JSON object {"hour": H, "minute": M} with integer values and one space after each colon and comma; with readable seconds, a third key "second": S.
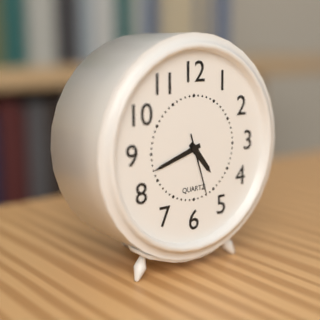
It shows {"hour": 4, "minute": 42, "second": 27}
